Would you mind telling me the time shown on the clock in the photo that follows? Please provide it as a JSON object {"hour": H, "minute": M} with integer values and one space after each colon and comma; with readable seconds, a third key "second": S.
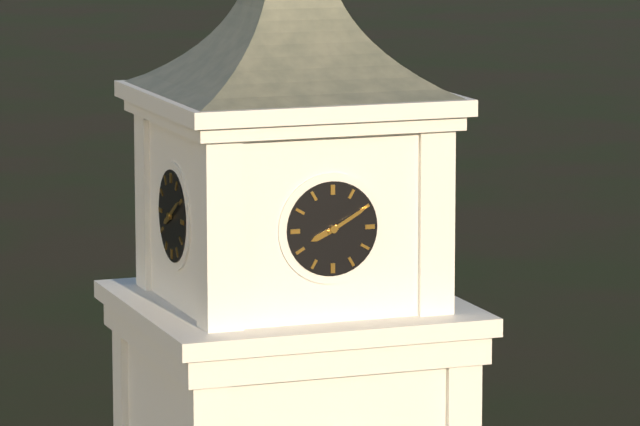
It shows {"hour": 8, "minute": 10}
